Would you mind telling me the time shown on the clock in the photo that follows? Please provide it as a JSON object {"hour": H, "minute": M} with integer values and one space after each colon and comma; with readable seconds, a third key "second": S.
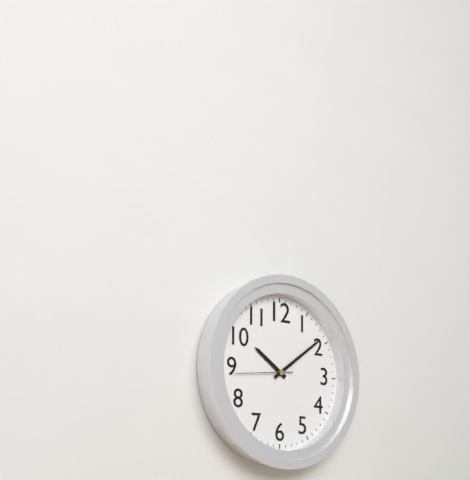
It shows {"hour": 10, "minute": 9, "second": 44}
